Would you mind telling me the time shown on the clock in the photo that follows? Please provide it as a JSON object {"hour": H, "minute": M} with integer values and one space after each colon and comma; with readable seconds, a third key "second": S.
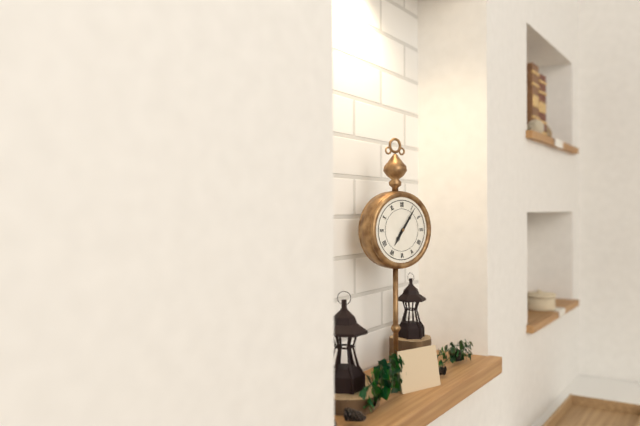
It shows {"hour": 7, "minute": 6}
